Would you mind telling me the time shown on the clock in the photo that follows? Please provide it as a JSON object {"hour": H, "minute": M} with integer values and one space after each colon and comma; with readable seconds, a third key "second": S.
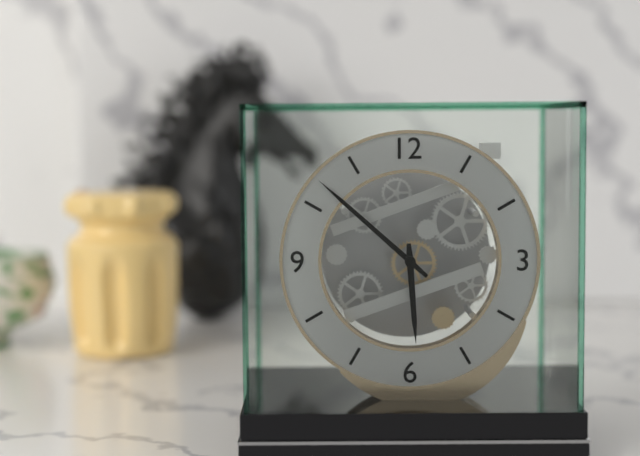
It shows {"hour": 5, "minute": 52}
